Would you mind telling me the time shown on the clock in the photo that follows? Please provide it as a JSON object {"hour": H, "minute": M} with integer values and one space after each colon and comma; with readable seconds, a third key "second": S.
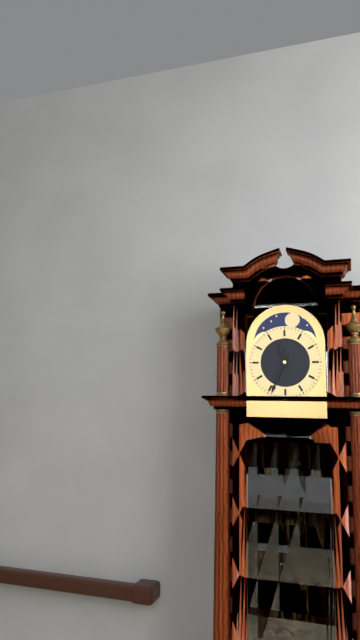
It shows {"hour": 11, "minute": 34}
